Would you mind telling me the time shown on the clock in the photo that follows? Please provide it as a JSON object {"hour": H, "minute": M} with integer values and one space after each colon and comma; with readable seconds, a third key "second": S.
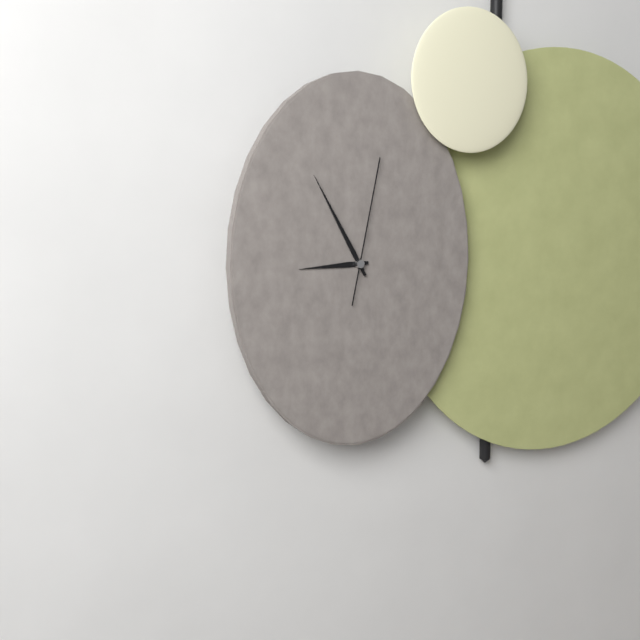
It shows {"hour": 8, "minute": 55, "second": 2}
